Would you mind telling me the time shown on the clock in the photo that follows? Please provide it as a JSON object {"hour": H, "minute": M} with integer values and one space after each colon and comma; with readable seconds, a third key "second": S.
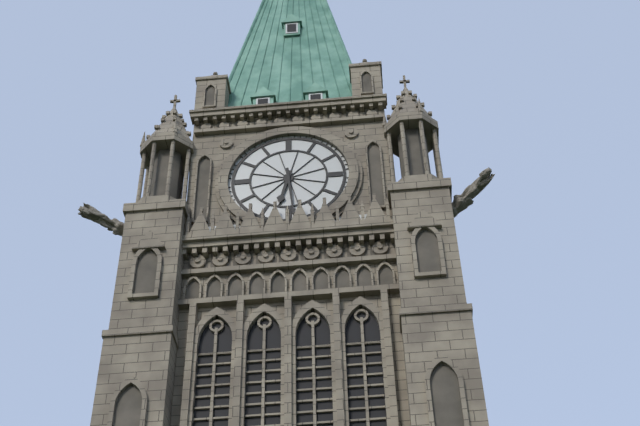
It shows {"hour": 6, "minute": 29}
